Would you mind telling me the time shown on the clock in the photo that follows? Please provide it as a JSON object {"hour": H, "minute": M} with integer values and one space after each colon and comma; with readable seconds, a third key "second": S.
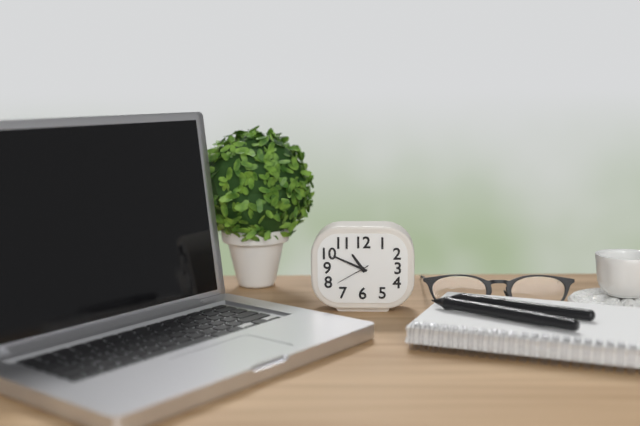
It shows {"hour": 10, "minute": 49}
